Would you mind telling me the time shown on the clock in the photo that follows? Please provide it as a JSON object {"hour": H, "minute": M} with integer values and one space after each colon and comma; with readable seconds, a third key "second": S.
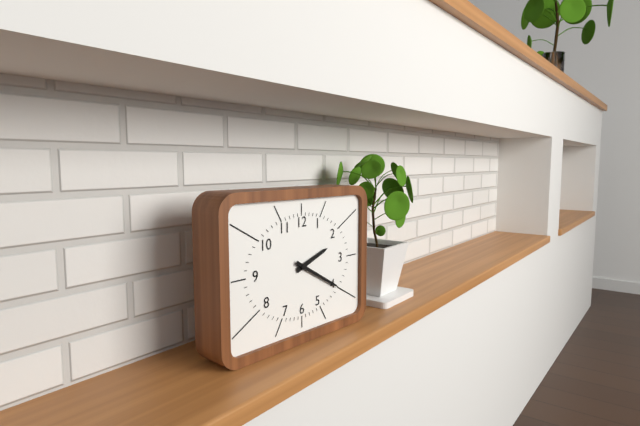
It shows {"hour": 2, "minute": 20}
